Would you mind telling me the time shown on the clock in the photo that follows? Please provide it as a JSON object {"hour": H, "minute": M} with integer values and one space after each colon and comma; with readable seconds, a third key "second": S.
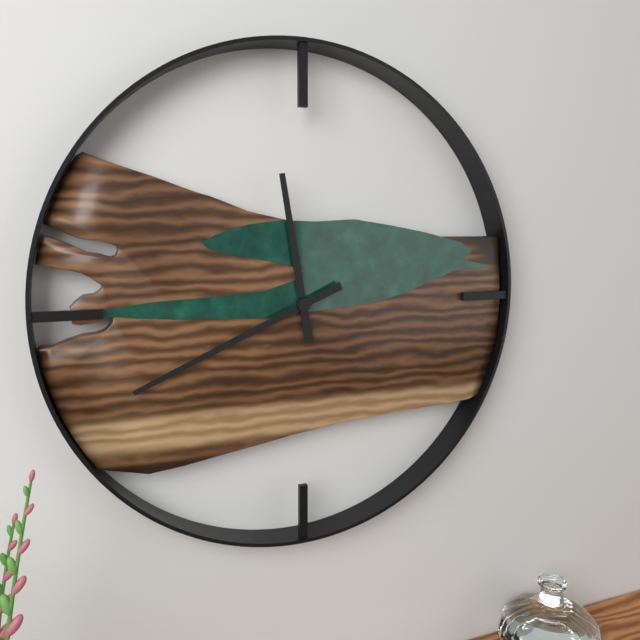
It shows {"hour": 11, "minute": 41}
